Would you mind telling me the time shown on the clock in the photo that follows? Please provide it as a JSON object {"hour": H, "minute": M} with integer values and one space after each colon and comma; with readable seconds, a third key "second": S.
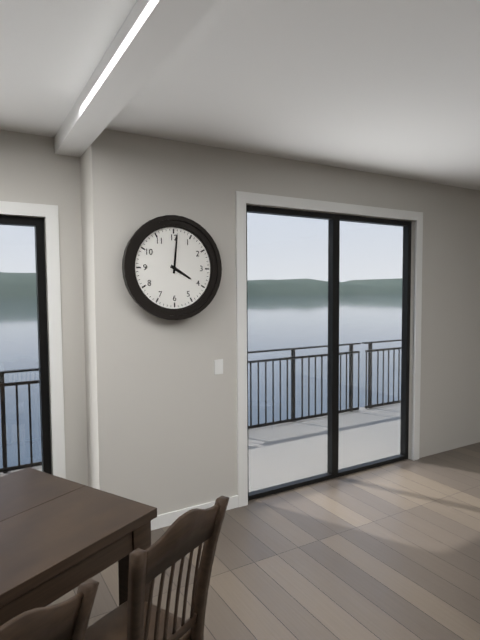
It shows {"hour": 4, "minute": 1}
